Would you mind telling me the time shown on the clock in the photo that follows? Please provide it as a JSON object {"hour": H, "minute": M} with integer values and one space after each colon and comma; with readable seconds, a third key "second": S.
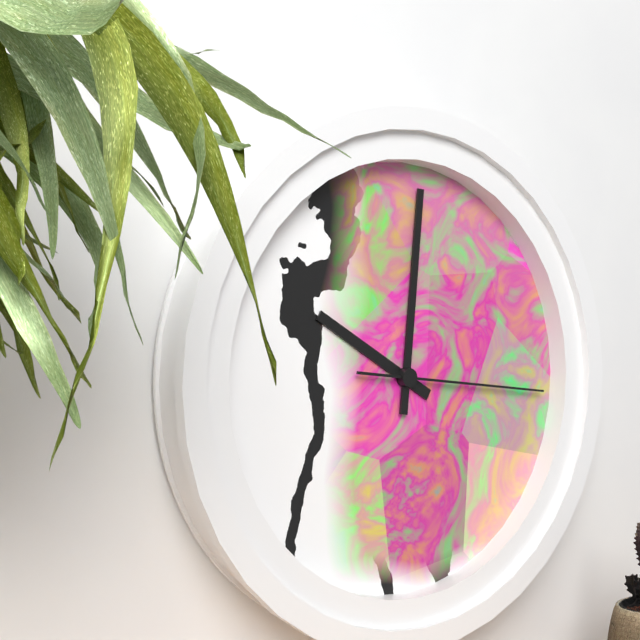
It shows {"hour": 10, "minute": 1, "second": 16}
